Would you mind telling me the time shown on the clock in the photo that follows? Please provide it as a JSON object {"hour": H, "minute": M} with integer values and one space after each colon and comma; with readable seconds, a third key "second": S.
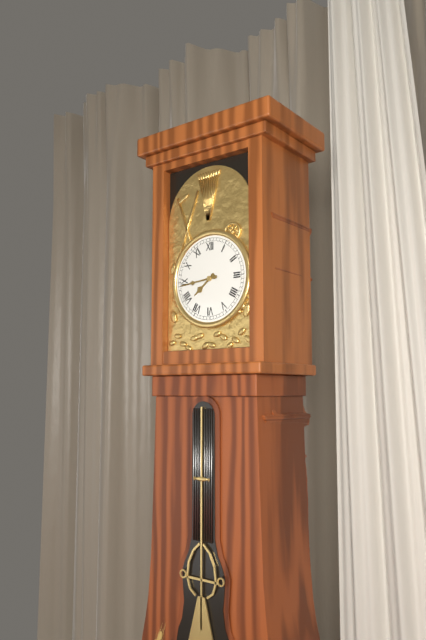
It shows {"hour": 7, "minute": 44}
